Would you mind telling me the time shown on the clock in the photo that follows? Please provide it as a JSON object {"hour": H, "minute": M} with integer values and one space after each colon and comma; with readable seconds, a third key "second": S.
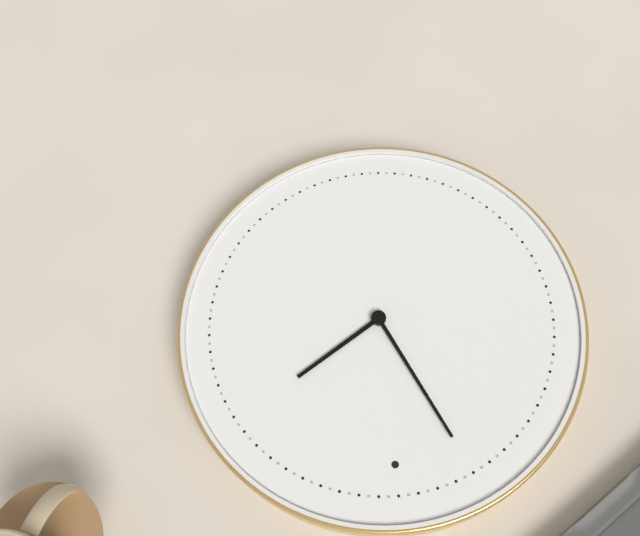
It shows {"hour": 1, "minute": 56}
